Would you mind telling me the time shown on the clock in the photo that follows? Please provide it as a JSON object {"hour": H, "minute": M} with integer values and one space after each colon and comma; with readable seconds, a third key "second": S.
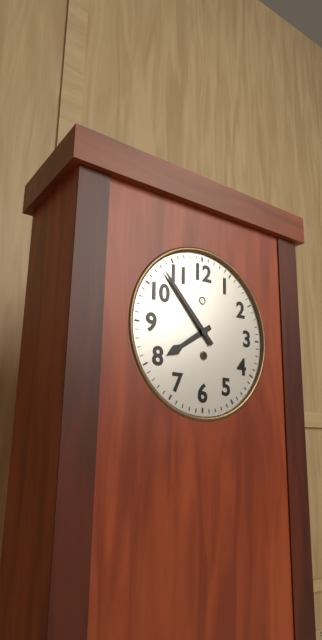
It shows {"hour": 7, "minute": 53}
